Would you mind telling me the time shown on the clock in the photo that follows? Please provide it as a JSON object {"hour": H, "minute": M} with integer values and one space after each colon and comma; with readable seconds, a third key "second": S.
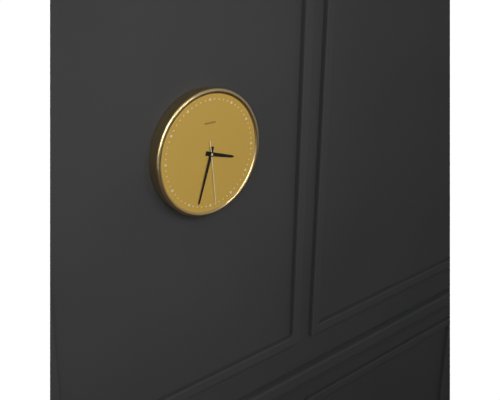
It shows {"hour": 3, "minute": 33, "second": 29}
